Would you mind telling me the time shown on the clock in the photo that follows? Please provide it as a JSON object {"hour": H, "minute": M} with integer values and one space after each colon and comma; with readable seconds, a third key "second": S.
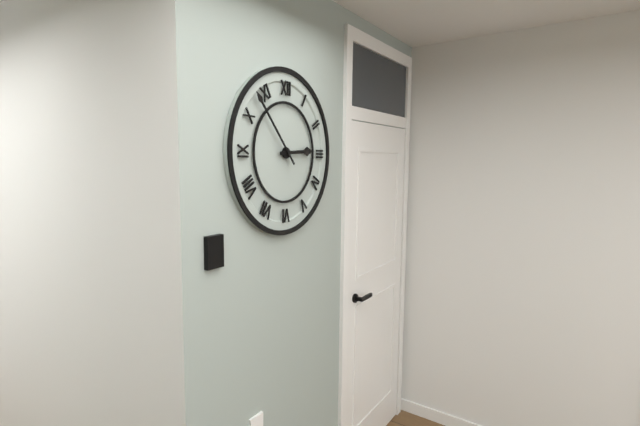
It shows {"hour": 2, "minute": 53}
